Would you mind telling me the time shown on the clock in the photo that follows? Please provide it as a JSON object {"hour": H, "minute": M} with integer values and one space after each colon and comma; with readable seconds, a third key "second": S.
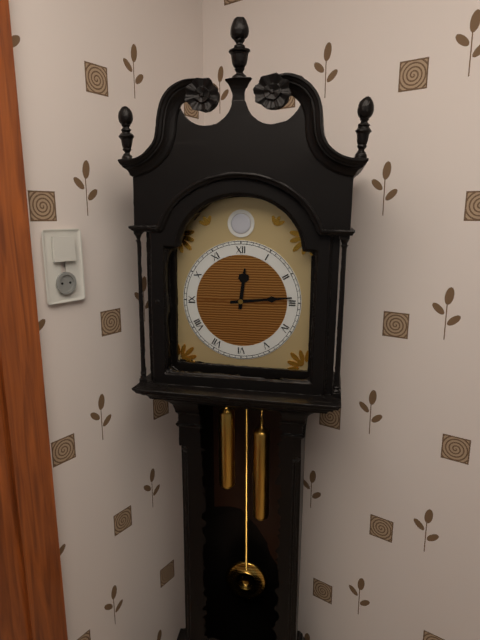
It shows {"hour": 12, "minute": 14}
